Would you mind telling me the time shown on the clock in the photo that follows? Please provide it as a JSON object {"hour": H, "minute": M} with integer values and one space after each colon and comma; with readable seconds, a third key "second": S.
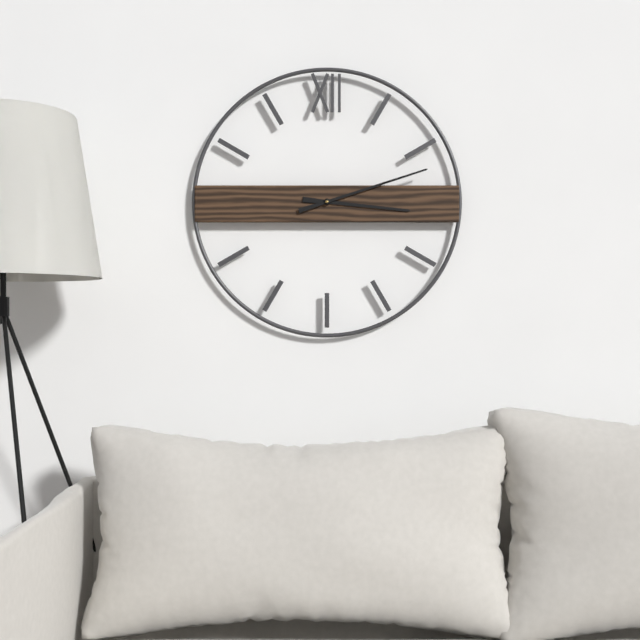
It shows {"hour": 3, "minute": 12}
